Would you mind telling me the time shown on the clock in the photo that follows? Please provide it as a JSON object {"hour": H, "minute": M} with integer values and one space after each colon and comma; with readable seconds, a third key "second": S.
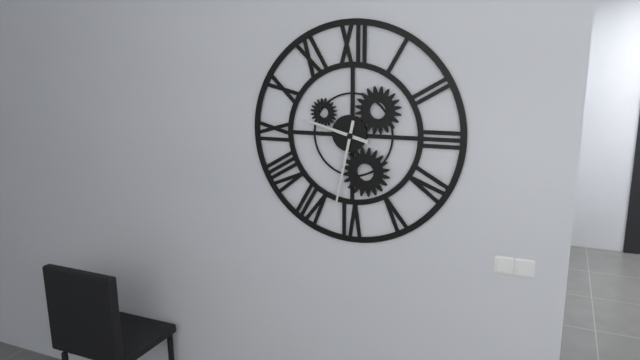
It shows {"hour": 9, "minute": 32}
